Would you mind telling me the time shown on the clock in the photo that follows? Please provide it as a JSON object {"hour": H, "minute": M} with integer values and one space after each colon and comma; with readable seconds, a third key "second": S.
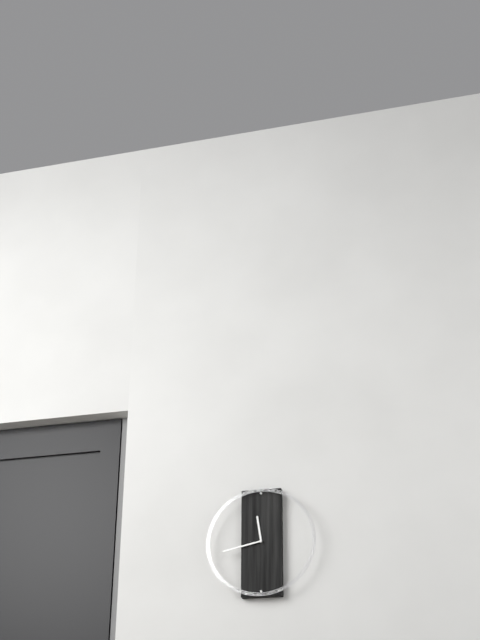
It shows {"hour": 11, "minute": 43}
